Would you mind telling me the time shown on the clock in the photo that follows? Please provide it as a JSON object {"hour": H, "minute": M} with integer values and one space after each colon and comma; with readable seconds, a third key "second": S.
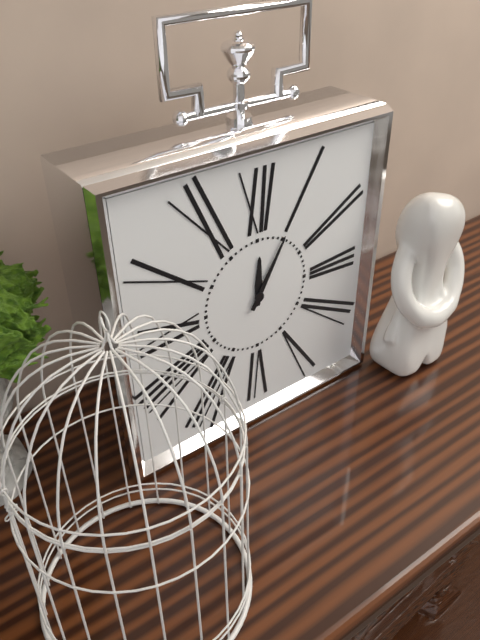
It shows {"hour": 12, "minute": 5}
